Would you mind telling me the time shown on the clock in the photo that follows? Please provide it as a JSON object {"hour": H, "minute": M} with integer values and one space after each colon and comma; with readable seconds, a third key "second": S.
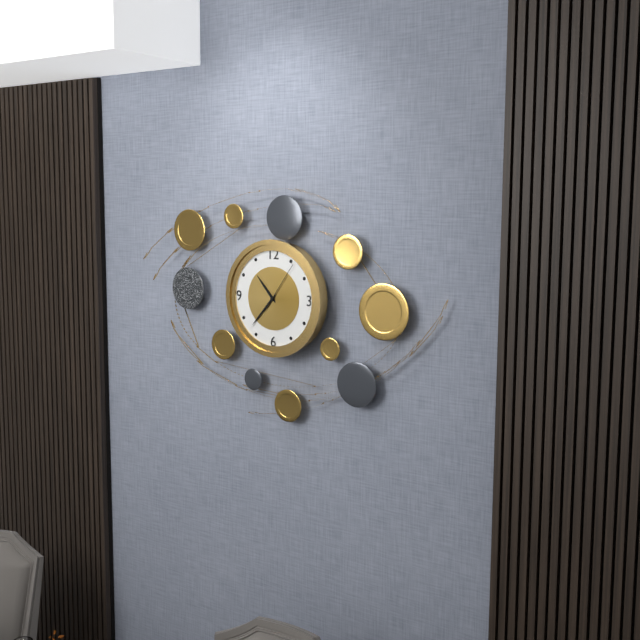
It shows {"hour": 10, "minute": 37}
